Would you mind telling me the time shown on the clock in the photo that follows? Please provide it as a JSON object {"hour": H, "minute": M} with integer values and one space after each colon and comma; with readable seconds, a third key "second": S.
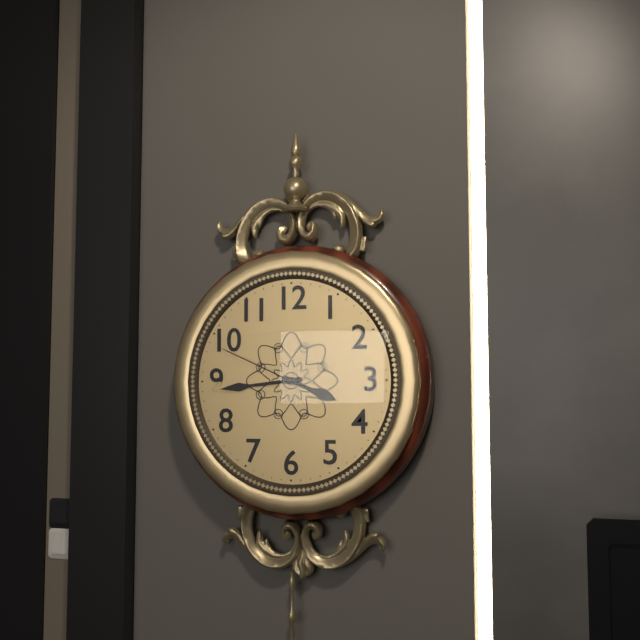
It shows {"hour": 3, "minute": 44, "second": 49}
